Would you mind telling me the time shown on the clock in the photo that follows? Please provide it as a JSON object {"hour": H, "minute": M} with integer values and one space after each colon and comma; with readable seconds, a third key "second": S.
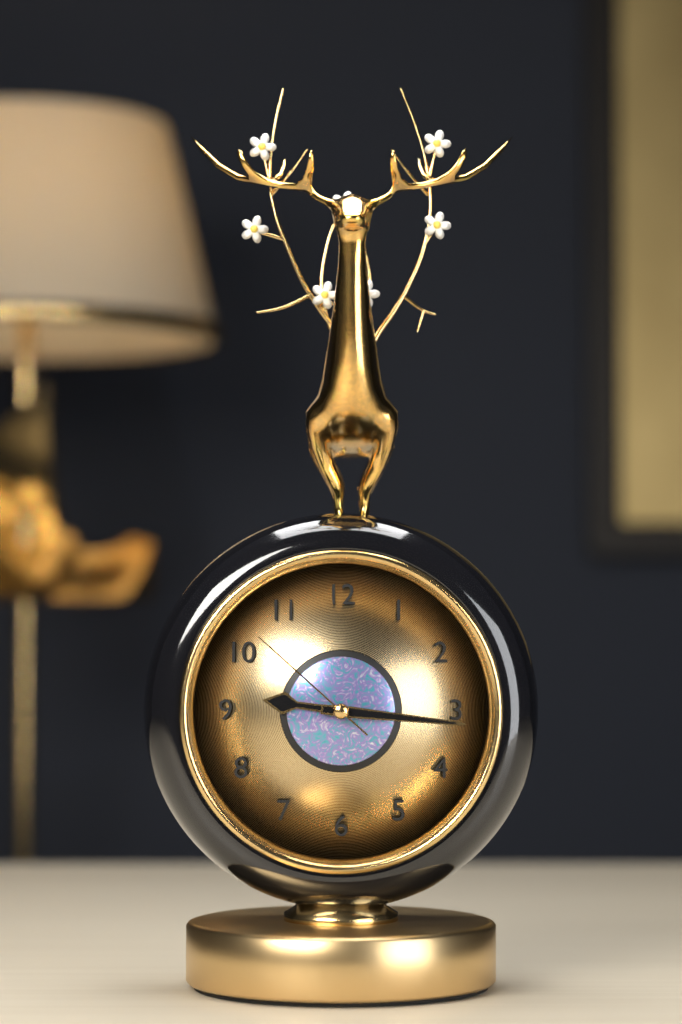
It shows {"hour": 9, "minute": 16, "second": 52}
